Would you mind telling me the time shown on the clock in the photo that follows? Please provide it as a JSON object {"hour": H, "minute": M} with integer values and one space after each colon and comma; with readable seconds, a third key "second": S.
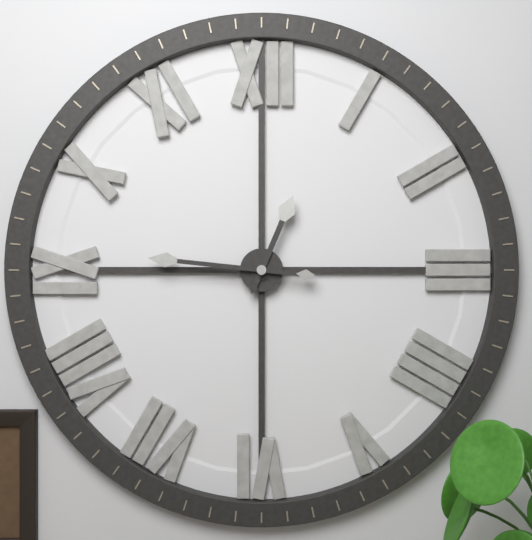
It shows {"hour": 12, "minute": 46}
